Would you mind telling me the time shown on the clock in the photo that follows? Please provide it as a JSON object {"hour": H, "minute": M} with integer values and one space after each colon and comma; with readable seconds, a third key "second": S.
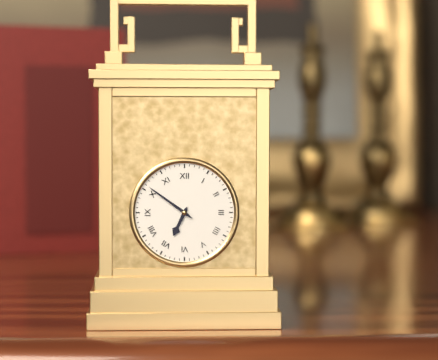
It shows {"hour": 6, "minute": 51}
